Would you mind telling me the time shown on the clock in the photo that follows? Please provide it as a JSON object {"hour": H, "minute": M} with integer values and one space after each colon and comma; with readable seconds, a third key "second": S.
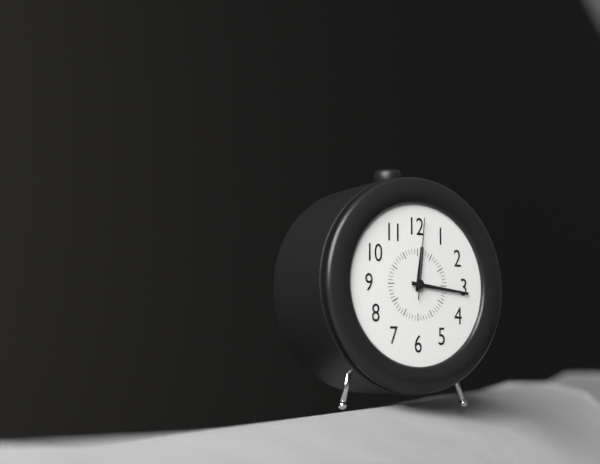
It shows {"hour": 12, "minute": 16, "second": 1}
